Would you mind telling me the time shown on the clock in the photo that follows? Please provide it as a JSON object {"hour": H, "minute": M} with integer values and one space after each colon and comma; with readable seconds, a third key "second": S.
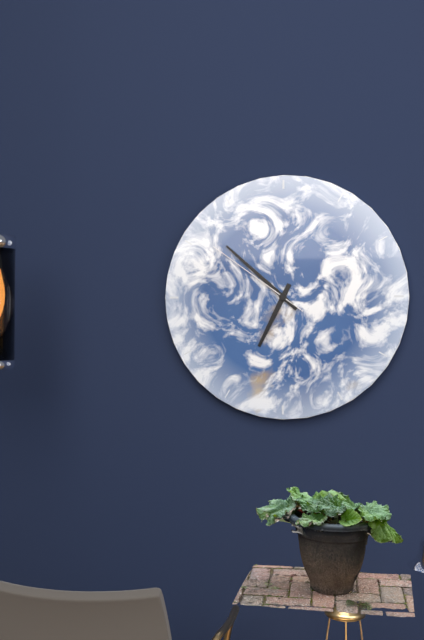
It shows {"hour": 6, "minute": 52, "second": 51}
